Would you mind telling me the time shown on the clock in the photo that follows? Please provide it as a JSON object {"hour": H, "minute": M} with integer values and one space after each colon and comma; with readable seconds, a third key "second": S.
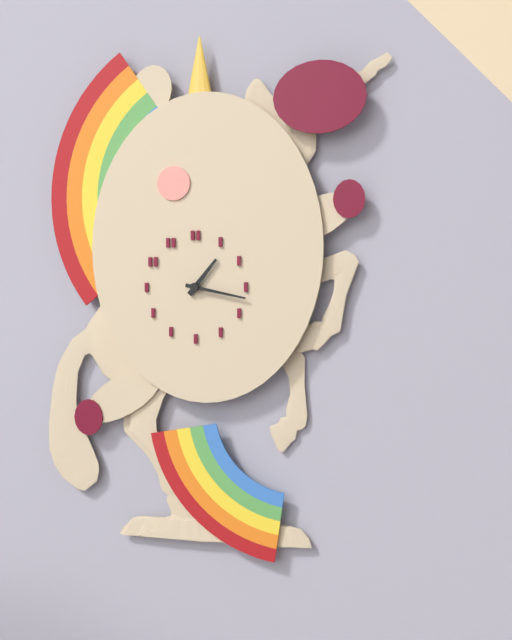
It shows {"hour": 1, "minute": 17}
